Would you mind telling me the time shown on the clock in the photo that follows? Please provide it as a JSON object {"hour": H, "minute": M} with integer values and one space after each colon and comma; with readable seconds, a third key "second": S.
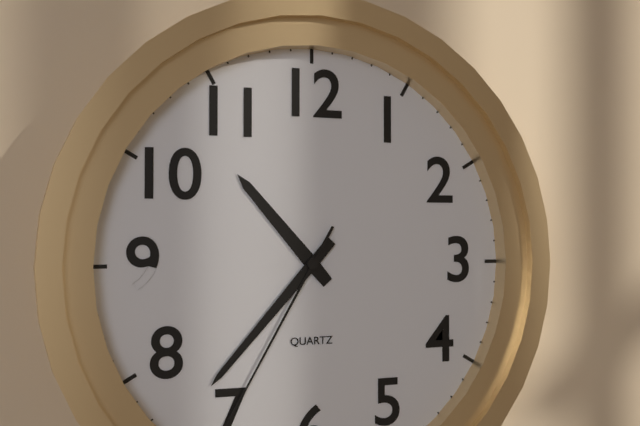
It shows {"hour": 10, "minute": 37, "second": 35}
